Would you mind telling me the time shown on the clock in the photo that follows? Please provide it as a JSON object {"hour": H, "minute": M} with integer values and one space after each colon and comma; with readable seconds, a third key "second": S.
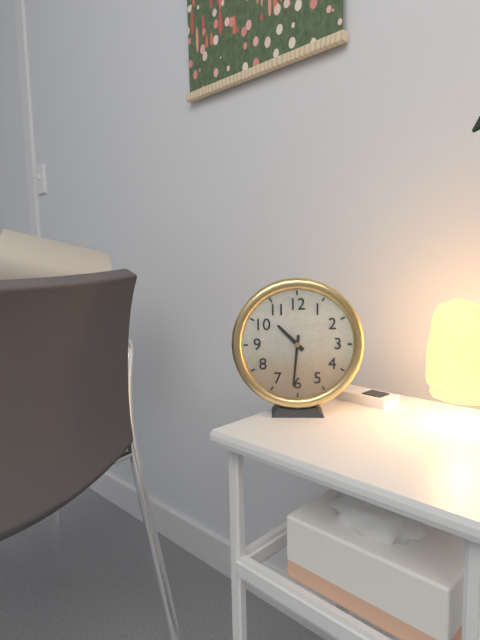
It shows {"hour": 10, "minute": 31}
